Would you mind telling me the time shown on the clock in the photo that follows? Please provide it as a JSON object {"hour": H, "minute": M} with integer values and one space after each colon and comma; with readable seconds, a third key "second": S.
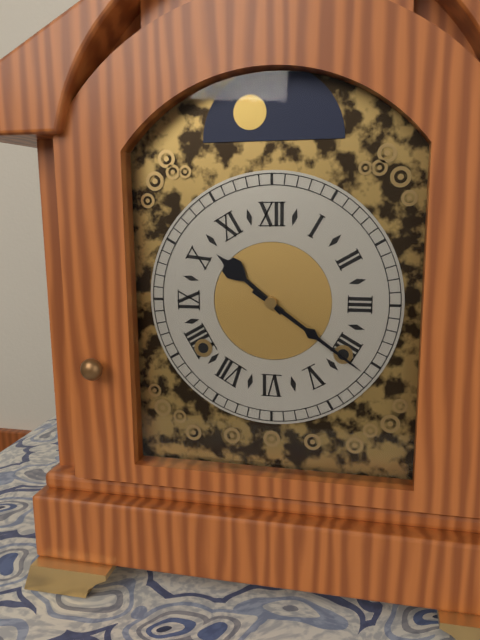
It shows {"hour": 10, "minute": 21}
